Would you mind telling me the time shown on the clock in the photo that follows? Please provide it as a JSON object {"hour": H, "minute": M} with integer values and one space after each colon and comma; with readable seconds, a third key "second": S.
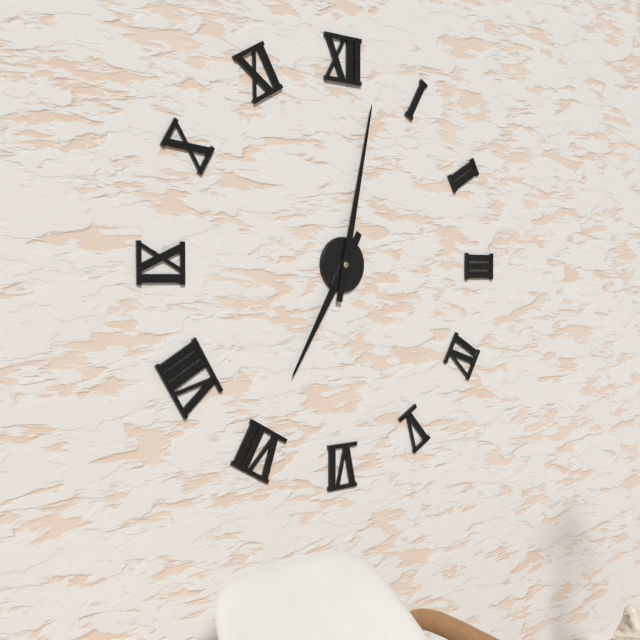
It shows {"hour": 7, "minute": 2}
